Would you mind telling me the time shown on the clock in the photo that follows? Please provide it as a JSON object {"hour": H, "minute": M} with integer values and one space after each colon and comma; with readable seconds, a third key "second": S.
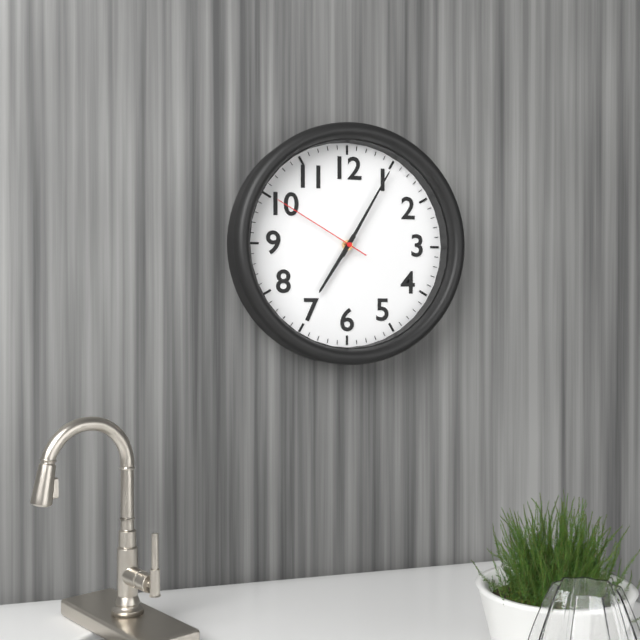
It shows {"hour": 7, "minute": 5, "second": 50}
